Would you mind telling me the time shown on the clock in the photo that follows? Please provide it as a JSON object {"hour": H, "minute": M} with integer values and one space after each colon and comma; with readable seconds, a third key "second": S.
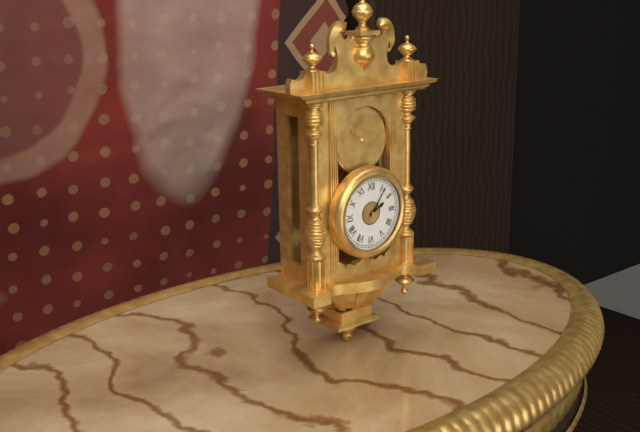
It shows {"hour": 2, "minute": 6}
